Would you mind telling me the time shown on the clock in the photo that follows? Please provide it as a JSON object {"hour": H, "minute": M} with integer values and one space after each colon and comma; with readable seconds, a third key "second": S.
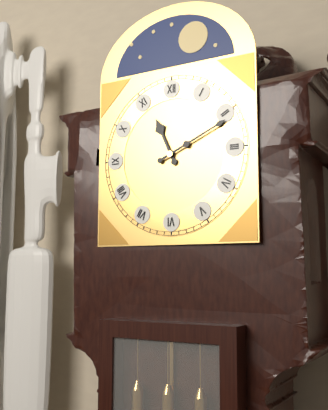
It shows {"hour": 11, "minute": 11}
